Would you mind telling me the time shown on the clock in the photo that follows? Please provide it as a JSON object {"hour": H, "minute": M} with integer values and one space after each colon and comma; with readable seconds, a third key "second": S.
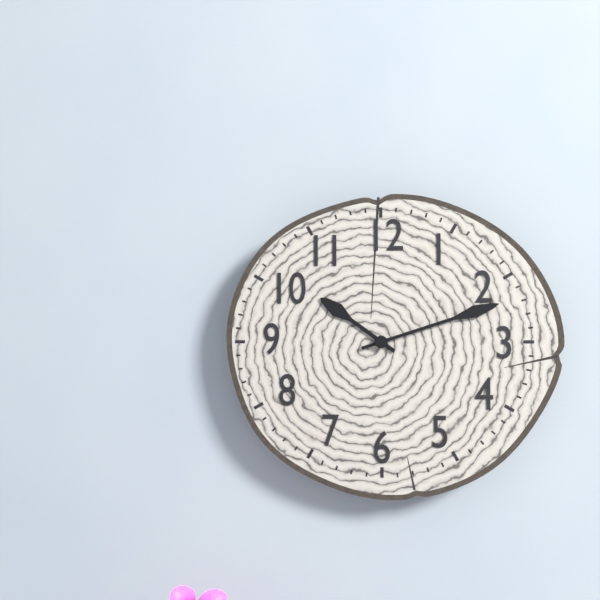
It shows {"hour": 10, "minute": 12}
